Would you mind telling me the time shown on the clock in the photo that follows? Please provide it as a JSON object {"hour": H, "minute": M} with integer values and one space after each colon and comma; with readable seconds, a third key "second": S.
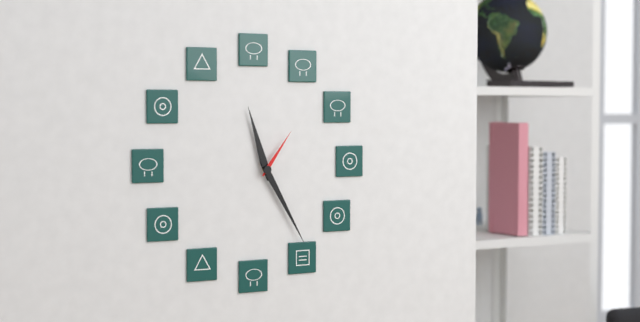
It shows {"hour": 11, "minute": 25, "second": 6}
